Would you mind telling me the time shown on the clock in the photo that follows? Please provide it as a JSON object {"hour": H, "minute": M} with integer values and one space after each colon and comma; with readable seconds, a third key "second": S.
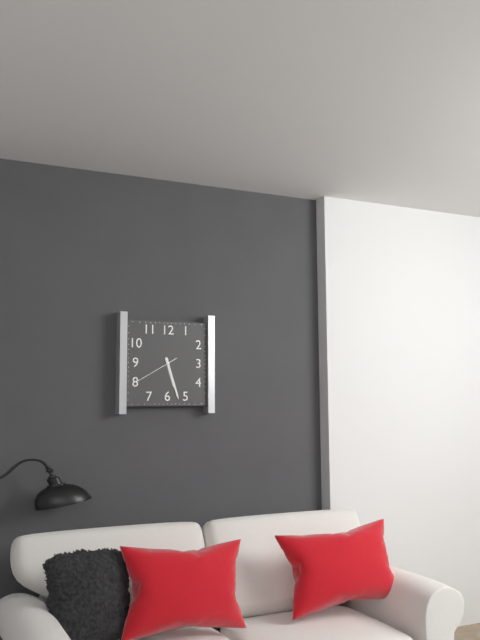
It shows {"hour": 5, "minute": 27}
